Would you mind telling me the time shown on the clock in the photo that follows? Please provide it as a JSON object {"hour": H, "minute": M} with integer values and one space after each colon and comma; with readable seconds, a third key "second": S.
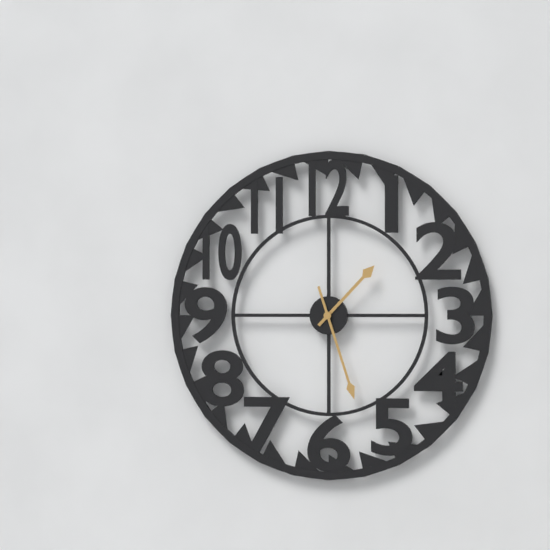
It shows {"hour": 1, "minute": 27}
